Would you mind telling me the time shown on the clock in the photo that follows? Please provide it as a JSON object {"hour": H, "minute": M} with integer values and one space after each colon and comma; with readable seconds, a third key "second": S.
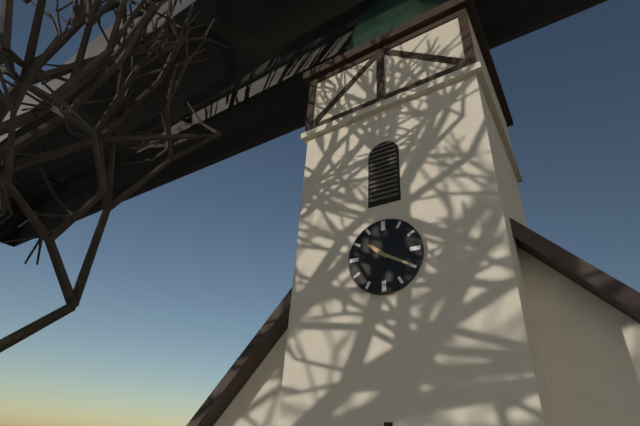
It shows {"hour": 10, "minute": 20}
